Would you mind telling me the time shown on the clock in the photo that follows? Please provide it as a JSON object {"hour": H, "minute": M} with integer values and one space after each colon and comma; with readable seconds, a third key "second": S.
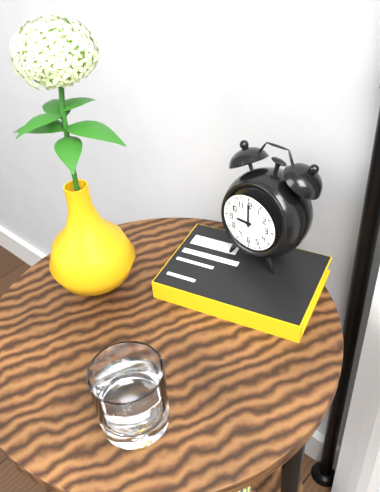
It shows {"hour": 9, "minute": 0}
